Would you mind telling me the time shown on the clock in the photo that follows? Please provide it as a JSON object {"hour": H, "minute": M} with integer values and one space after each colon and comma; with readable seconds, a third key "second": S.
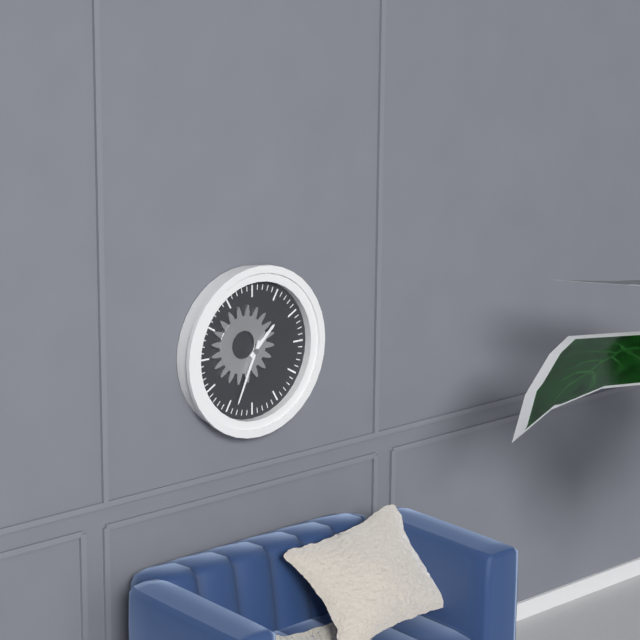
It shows {"hour": 1, "minute": 34}
